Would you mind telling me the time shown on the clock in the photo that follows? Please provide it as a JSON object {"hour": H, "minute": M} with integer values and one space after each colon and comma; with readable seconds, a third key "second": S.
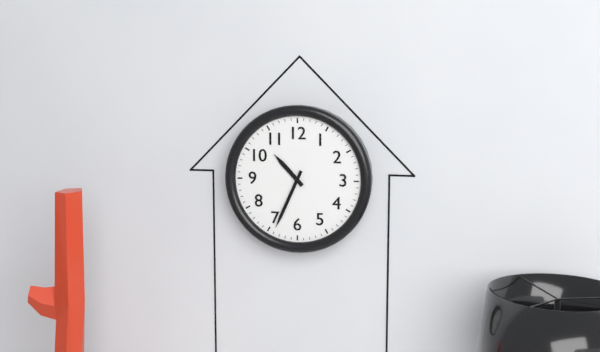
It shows {"hour": 10, "minute": 34}
